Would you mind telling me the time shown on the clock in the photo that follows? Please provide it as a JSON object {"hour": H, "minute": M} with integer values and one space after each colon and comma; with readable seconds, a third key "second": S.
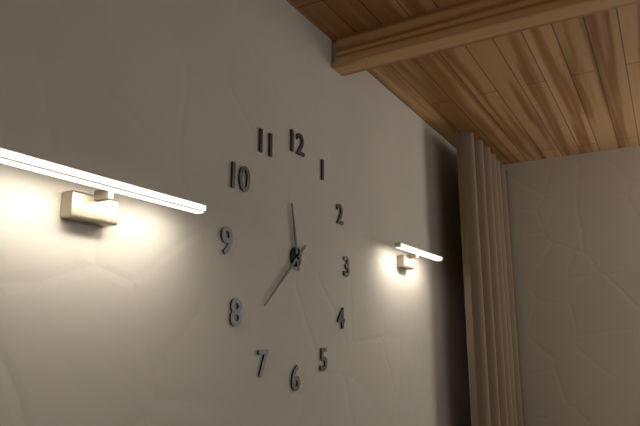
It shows {"hour": 11, "minute": 38}
